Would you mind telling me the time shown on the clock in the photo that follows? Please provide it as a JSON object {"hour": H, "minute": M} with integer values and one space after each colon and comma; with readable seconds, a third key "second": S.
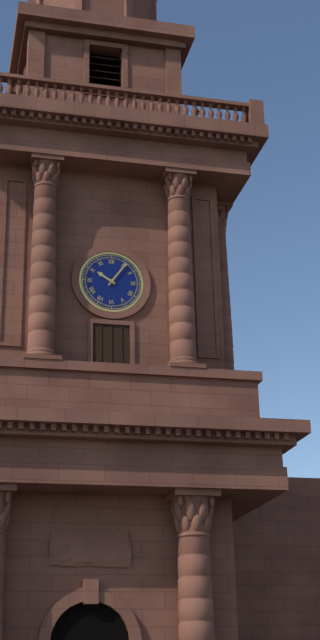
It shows {"hour": 10, "minute": 6}
